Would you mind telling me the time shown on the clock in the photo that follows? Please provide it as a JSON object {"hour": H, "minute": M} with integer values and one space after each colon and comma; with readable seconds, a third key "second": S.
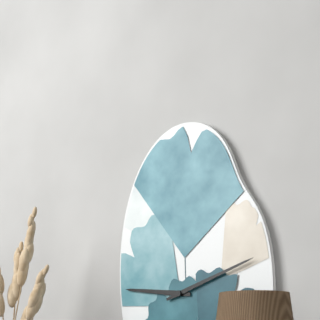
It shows {"hour": 9, "minute": 12}
